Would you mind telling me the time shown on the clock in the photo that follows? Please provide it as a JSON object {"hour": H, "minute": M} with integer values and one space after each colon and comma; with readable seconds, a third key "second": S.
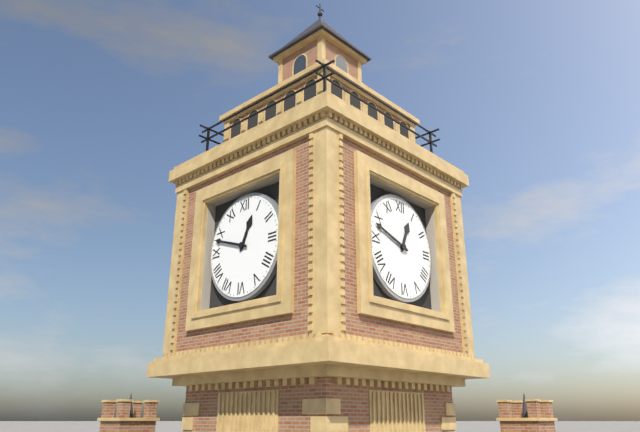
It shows {"hour": 12, "minute": 48}
